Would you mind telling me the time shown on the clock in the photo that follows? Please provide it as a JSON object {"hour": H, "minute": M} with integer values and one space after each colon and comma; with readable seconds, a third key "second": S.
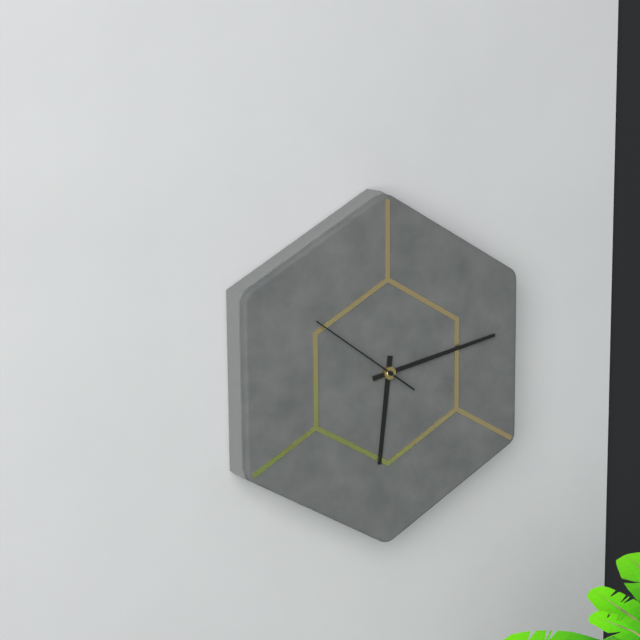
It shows {"hour": 6, "minute": 13, "second": 51}
